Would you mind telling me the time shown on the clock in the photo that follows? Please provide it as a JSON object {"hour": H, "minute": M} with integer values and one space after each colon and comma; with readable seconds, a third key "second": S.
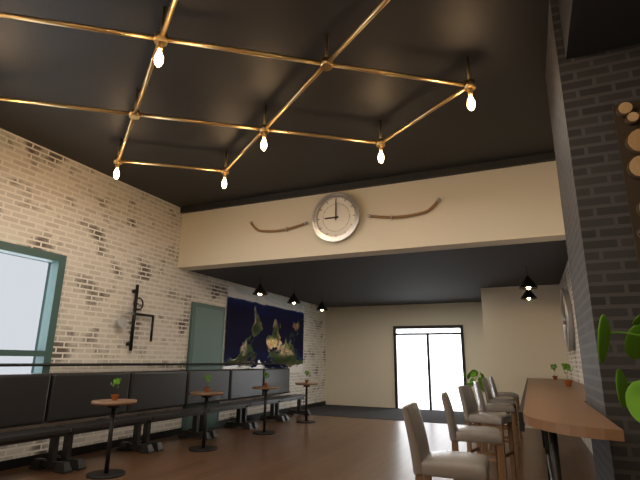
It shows {"hour": 9, "minute": 0}
